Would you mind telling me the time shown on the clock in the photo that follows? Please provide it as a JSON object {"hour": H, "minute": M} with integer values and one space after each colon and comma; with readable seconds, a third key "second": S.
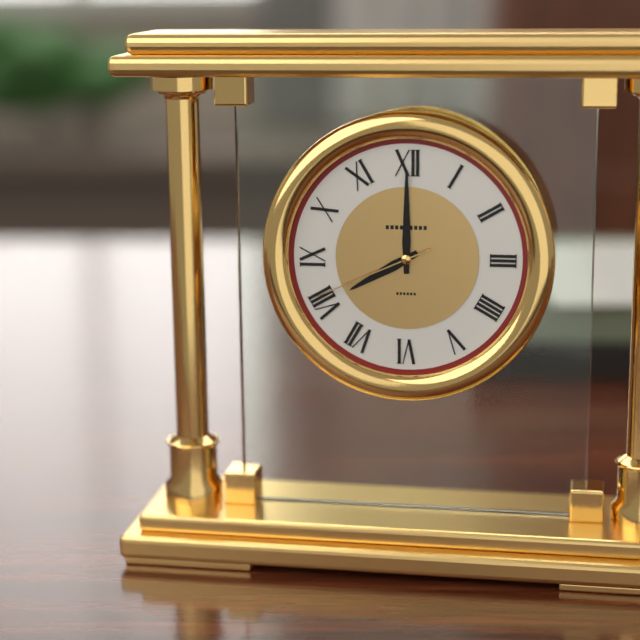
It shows {"hour": 8, "minute": 0, "second": 41}
